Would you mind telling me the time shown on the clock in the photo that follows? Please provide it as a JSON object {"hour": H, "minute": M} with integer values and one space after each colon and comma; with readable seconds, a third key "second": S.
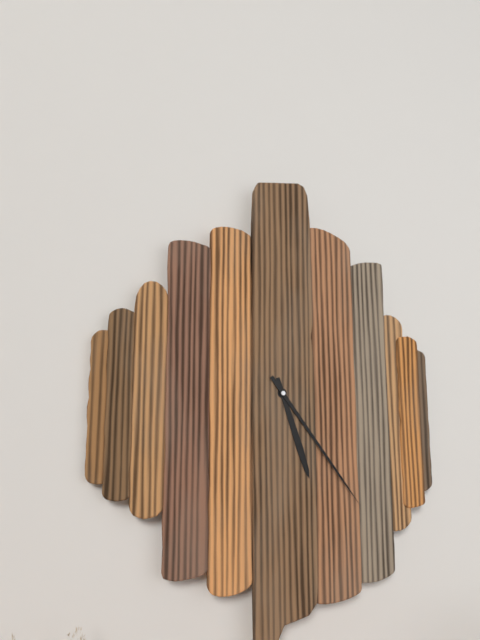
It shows {"hour": 5, "minute": 24}
